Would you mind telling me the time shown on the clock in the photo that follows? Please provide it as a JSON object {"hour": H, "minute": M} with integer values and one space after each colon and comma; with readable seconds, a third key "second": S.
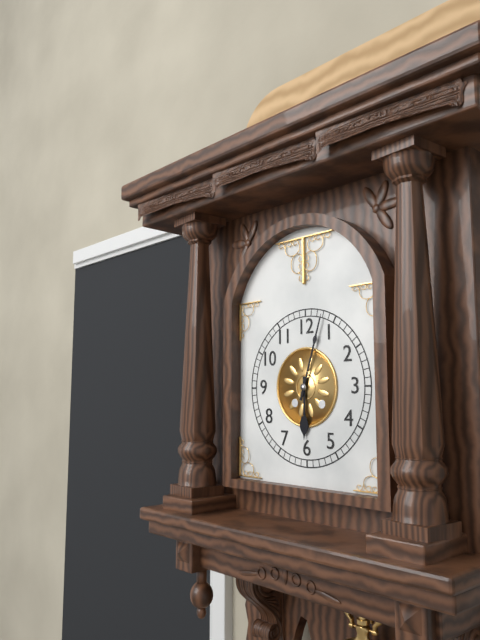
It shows {"hour": 6, "minute": 3}
